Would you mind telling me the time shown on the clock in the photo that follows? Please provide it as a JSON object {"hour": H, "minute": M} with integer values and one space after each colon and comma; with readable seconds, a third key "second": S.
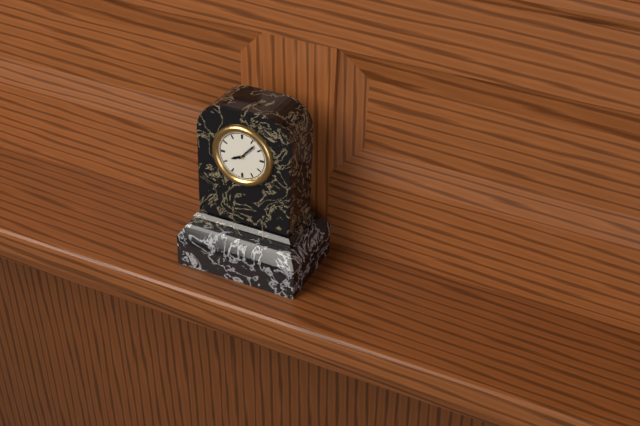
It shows {"hour": 8, "minute": 7}
